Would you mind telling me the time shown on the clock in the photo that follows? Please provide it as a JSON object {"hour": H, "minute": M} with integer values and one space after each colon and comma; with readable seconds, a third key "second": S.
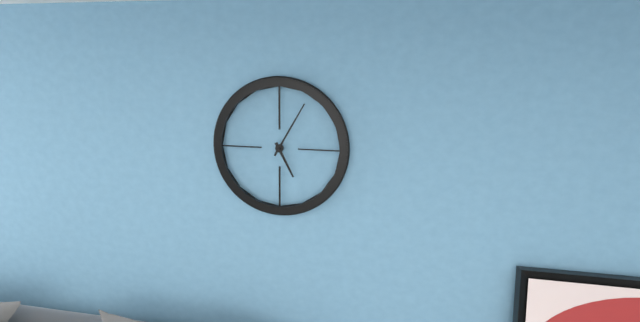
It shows {"hour": 5, "minute": 5}
